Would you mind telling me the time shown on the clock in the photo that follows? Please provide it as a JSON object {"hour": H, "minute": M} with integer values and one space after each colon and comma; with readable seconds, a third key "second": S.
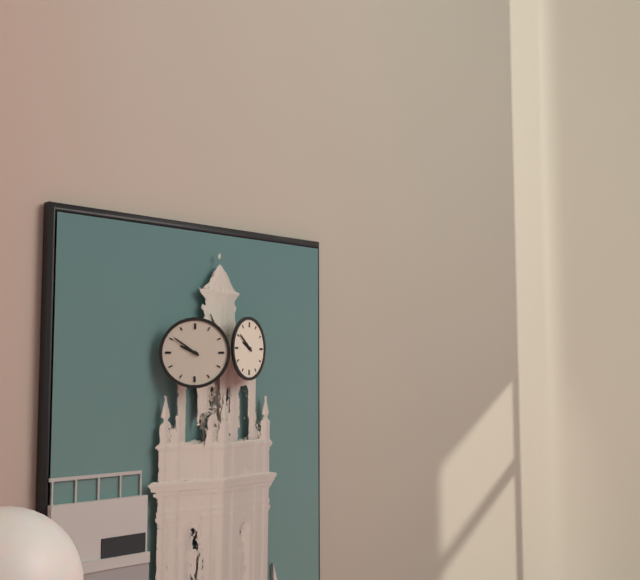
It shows {"hour": 9, "minute": 51}
